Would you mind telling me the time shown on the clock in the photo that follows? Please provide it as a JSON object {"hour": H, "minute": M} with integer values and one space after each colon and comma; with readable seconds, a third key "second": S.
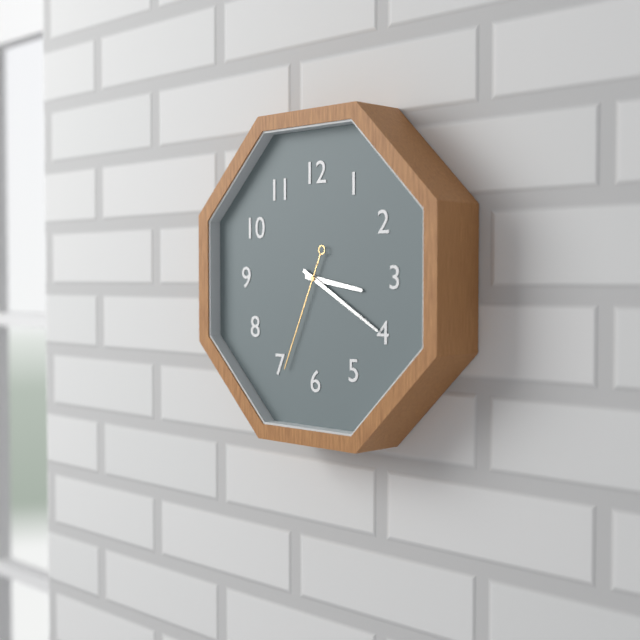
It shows {"hour": 3, "minute": 20, "second": 34}
